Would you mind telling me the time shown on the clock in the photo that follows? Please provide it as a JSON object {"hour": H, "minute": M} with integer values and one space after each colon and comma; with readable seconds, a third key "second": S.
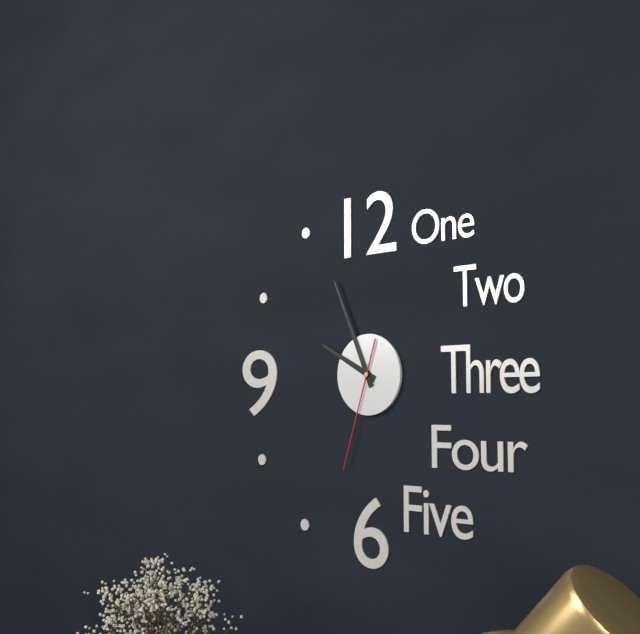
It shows {"hour": 9, "minute": 56, "second": 33}
